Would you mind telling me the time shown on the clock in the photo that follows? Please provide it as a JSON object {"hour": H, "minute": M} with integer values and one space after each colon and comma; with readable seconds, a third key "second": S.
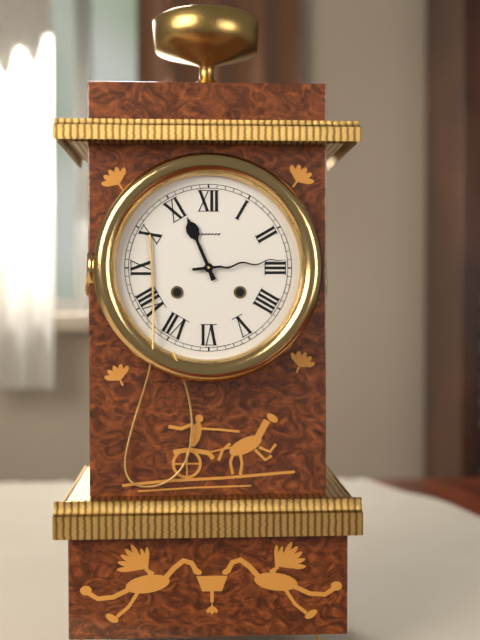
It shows {"hour": 11, "minute": 14}
